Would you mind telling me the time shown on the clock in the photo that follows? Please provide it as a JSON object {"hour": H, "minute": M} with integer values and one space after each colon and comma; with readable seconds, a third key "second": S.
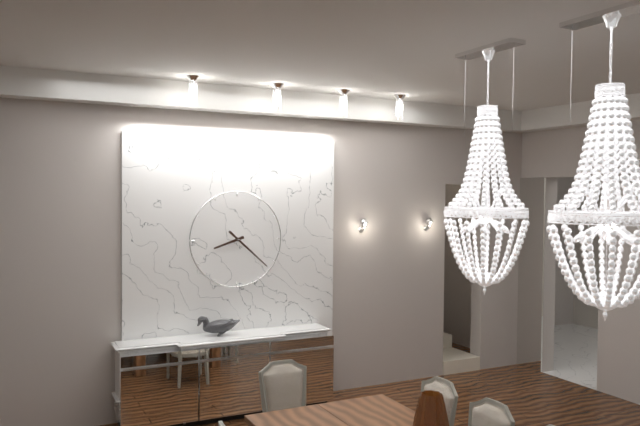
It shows {"hour": 8, "minute": 22}
